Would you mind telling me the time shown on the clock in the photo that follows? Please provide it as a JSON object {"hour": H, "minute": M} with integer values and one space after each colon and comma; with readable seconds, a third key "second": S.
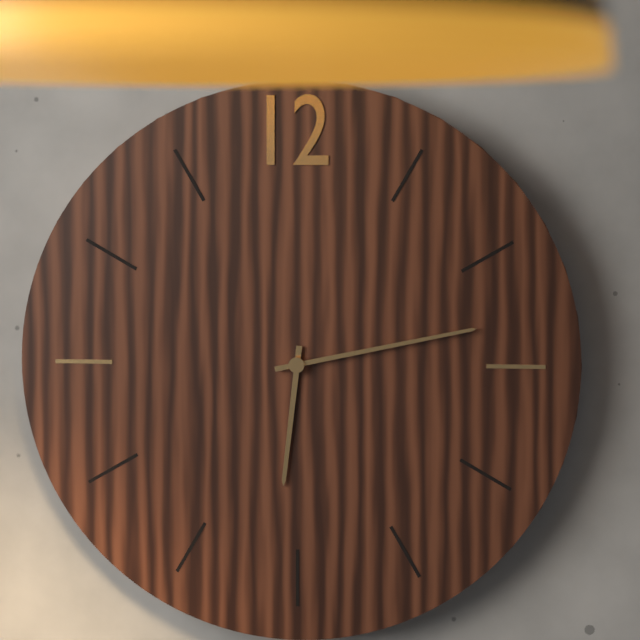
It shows {"hour": 6, "minute": 13}
